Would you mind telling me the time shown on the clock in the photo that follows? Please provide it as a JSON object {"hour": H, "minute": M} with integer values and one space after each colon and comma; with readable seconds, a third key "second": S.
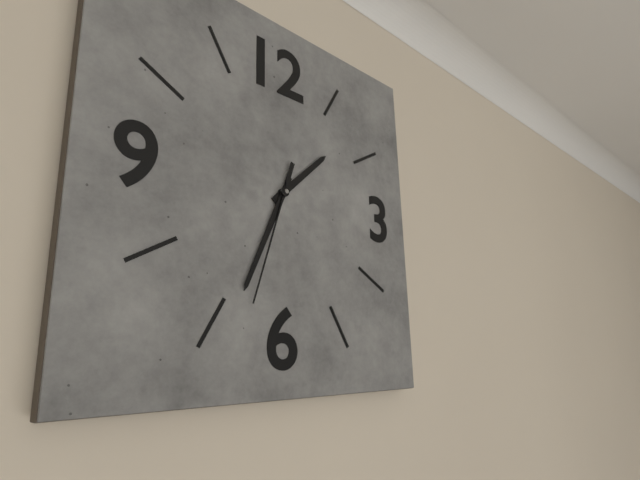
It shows {"hour": 1, "minute": 34, "second": 33}
